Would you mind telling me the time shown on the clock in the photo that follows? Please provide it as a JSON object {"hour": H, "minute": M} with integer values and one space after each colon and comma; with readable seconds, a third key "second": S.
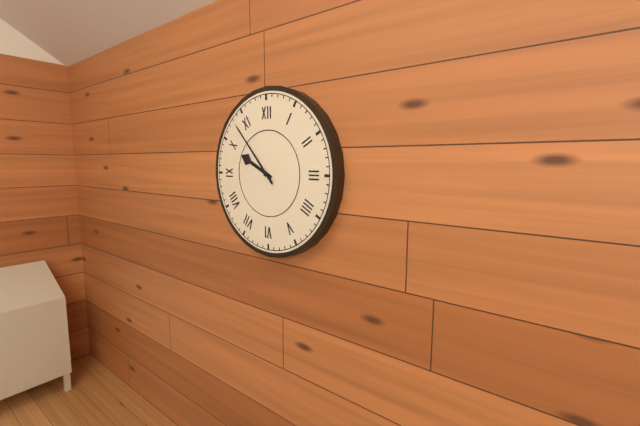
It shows {"hour": 9, "minute": 53}
